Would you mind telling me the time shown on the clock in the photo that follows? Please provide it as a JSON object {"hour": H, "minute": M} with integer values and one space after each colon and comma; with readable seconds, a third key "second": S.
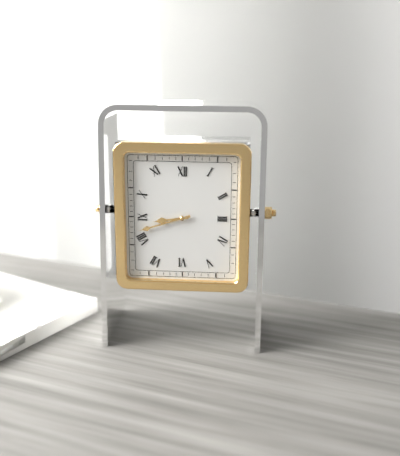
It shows {"hour": 8, "minute": 42}
